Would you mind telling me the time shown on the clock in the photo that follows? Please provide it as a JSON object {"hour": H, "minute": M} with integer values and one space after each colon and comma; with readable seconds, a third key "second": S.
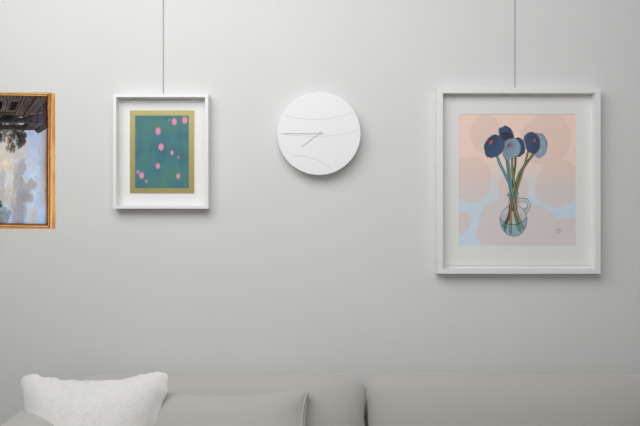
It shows {"hour": 7, "minute": 45}
